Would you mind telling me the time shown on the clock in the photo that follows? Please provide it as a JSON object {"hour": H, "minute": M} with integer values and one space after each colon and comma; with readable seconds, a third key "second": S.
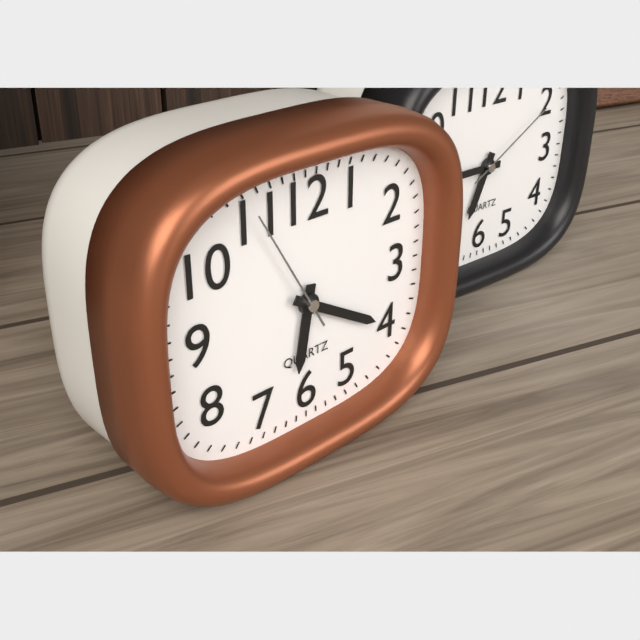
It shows {"hour": 6, "minute": 20, "second": 55}
